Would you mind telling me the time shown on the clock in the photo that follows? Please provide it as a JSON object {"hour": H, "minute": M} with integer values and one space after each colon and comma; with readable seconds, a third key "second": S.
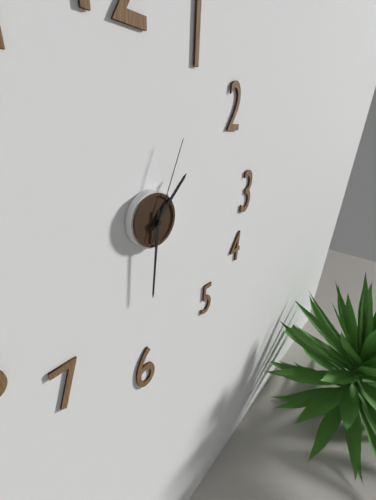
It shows {"hour": 1, "minute": 31, "second": 4}
